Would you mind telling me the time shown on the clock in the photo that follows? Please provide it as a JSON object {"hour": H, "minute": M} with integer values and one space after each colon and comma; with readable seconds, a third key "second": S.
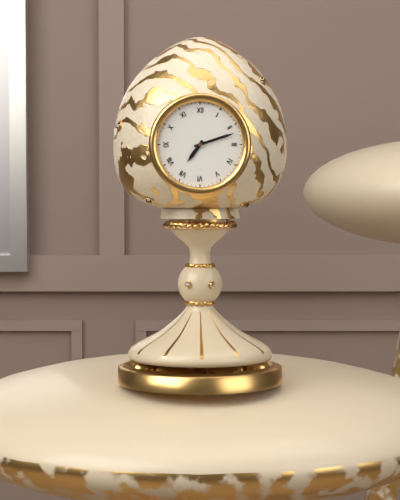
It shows {"hour": 7, "minute": 12}
